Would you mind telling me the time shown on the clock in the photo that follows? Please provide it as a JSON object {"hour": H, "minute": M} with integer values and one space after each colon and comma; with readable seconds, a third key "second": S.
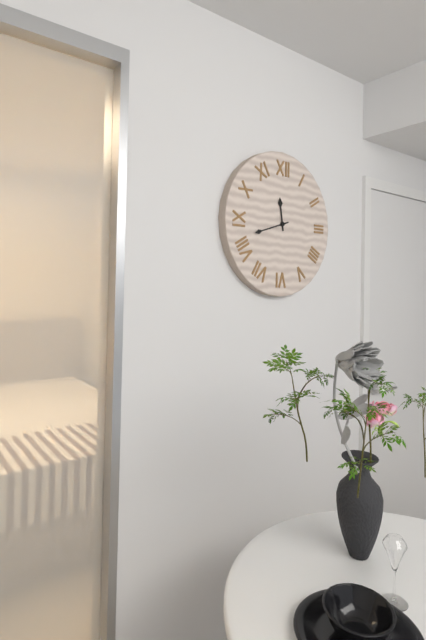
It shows {"hour": 11, "minute": 42}
